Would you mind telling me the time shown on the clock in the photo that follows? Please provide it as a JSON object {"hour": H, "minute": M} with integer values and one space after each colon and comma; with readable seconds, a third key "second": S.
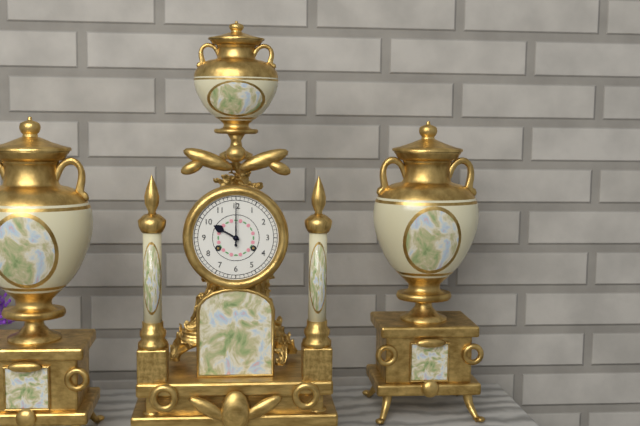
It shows {"hour": 10, "minute": 0}
